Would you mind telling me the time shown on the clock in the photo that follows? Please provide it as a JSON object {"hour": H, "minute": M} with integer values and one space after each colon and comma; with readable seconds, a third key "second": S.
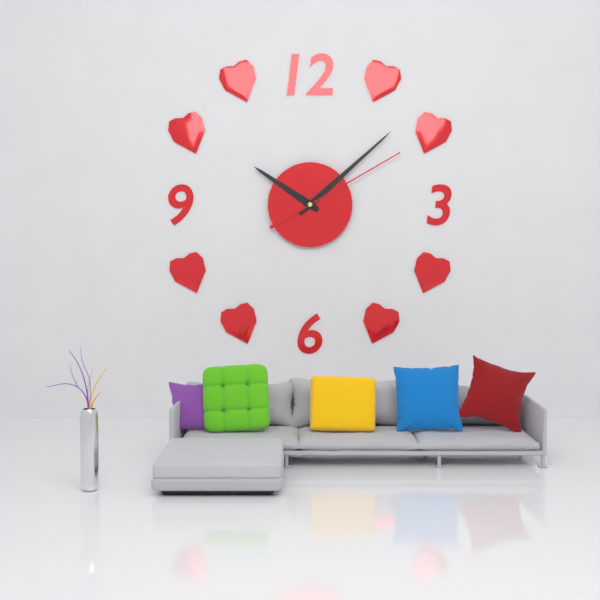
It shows {"hour": 10, "minute": 8, "second": 10}
